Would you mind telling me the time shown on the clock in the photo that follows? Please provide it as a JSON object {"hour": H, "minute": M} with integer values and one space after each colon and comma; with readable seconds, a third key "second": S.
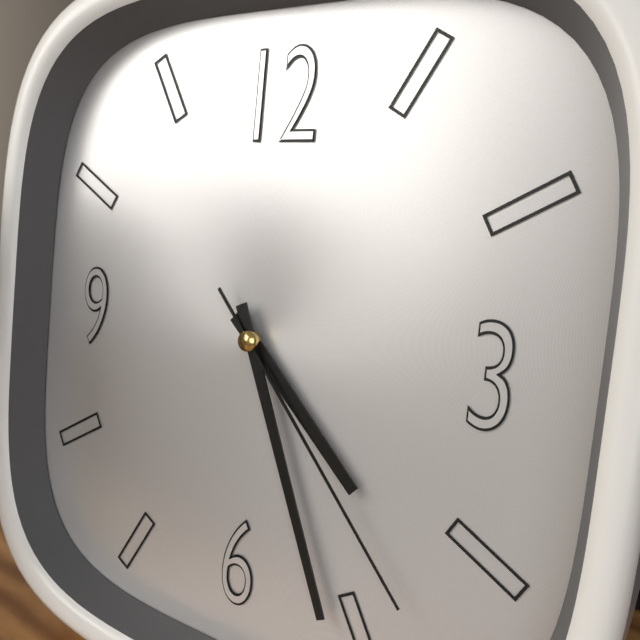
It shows {"hour": 4, "minute": 26, "second": 23}
